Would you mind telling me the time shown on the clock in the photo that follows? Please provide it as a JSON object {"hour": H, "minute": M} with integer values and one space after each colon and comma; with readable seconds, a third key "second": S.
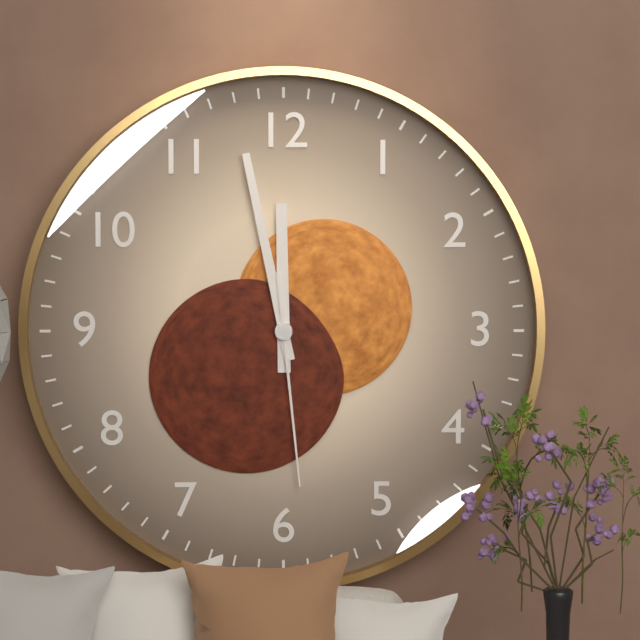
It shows {"hour": 11, "minute": 58, "second": 29}
